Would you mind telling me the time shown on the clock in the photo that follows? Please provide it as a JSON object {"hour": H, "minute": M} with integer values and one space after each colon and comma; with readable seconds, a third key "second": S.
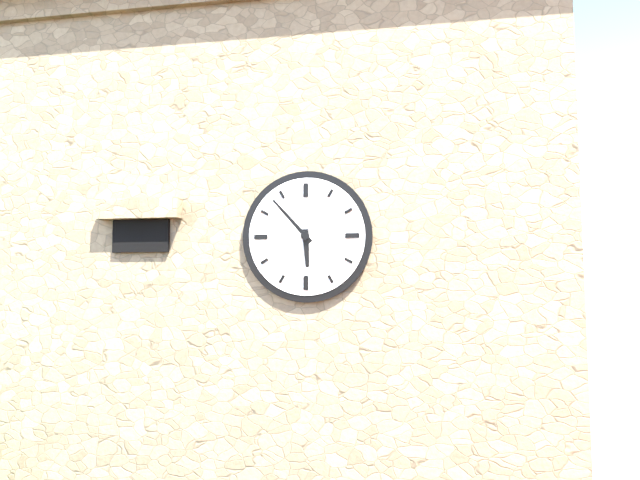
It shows {"hour": 5, "minute": 53}
